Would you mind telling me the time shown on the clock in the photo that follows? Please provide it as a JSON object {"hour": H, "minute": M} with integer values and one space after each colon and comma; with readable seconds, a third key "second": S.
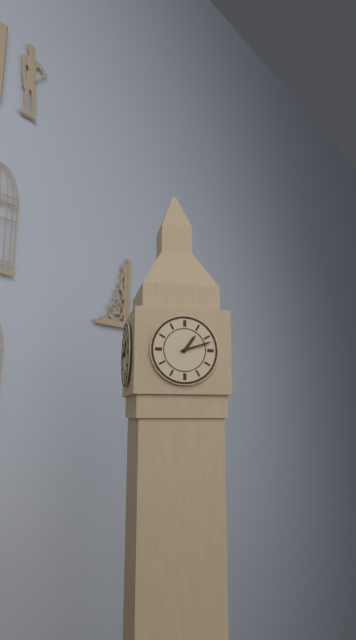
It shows {"hour": 1, "minute": 12}
